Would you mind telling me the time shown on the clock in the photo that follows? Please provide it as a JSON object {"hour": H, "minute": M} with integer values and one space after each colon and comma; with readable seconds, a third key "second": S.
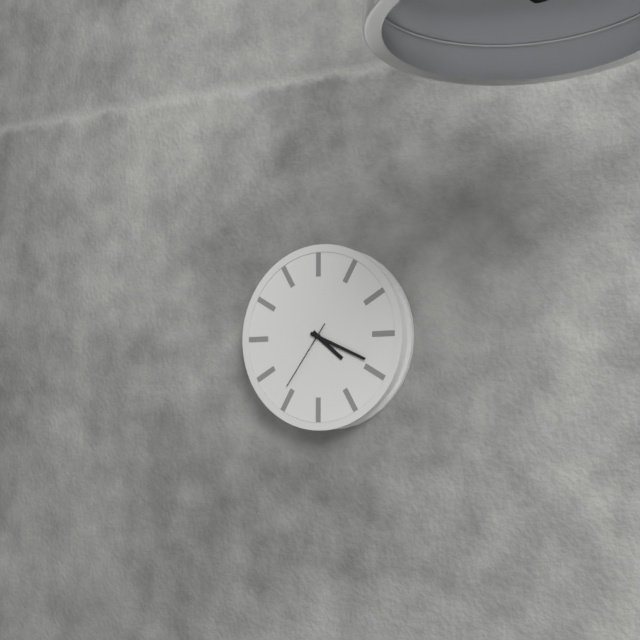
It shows {"hour": 4, "minute": 19, "second": 36}
